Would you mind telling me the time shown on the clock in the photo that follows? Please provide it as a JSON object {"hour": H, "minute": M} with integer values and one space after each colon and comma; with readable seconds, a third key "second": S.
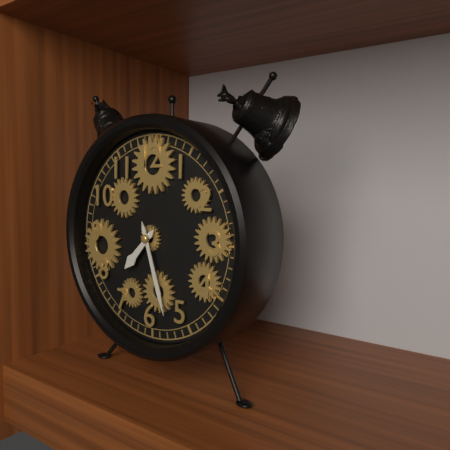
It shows {"hour": 7, "minute": 27}
